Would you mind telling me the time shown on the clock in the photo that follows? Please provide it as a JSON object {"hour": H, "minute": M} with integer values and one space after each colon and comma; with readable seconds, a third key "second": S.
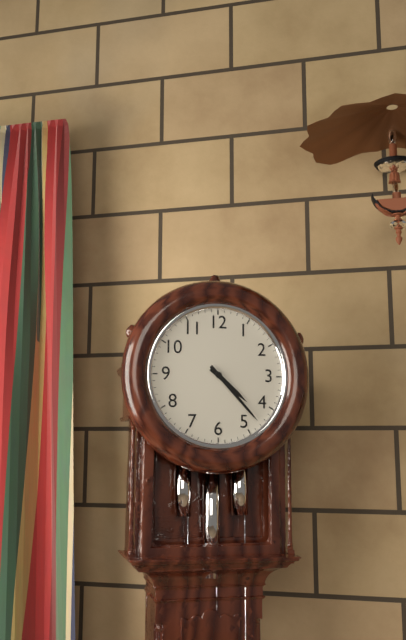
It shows {"hour": 4, "minute": 23}
